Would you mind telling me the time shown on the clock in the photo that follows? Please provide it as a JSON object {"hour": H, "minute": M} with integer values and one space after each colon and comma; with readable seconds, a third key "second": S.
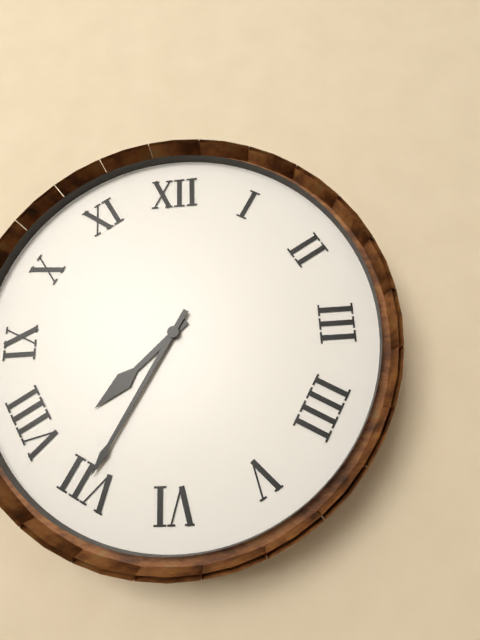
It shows {"hour": 7, "minute": 35}
